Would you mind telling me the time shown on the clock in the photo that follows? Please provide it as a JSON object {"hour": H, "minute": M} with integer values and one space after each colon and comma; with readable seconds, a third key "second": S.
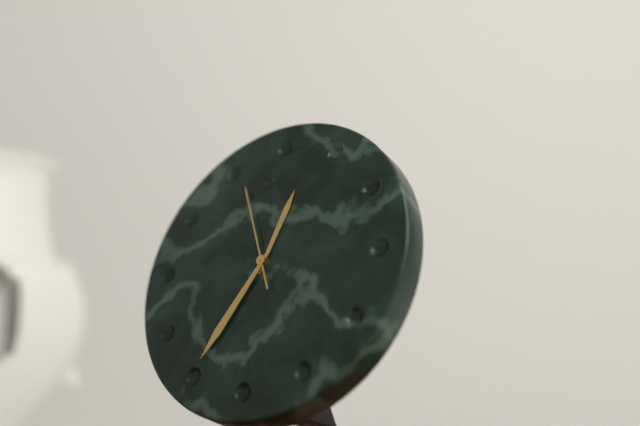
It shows {"hour": 12, "minute": 35, "second": 56}
